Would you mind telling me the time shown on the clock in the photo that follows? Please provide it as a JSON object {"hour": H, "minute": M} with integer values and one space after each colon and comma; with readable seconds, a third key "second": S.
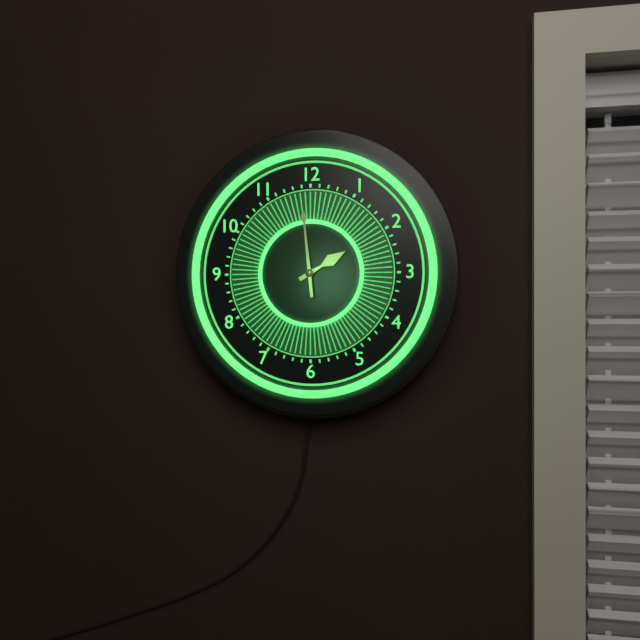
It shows {"hour": 1, "minute": 59}
